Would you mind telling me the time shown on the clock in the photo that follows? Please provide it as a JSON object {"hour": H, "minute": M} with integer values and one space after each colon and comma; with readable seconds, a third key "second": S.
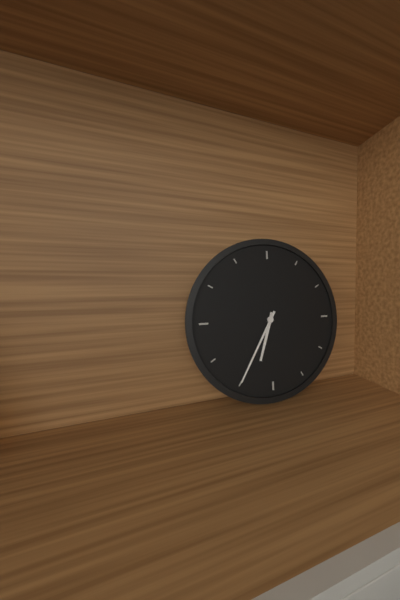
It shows {"hour": 6, "minute": 35}
